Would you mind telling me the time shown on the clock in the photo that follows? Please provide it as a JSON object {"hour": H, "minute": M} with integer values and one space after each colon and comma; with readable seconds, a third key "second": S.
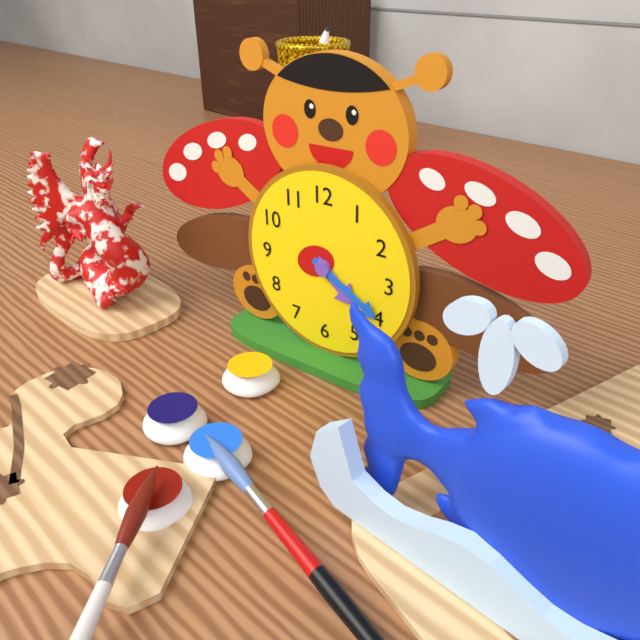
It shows {"hour": 4, "minute": 20}
